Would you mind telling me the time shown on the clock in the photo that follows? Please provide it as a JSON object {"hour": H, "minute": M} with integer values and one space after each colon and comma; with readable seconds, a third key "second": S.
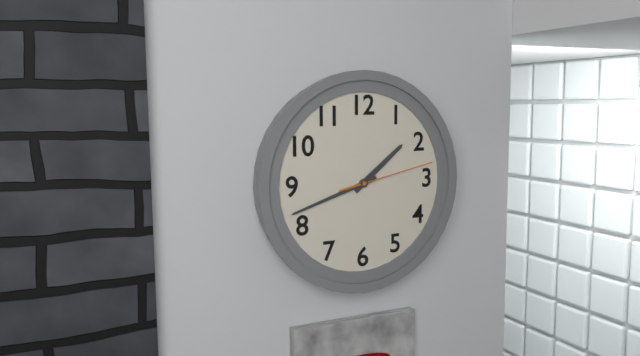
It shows {"hour": 1, "minute": 42, "second": 13}
